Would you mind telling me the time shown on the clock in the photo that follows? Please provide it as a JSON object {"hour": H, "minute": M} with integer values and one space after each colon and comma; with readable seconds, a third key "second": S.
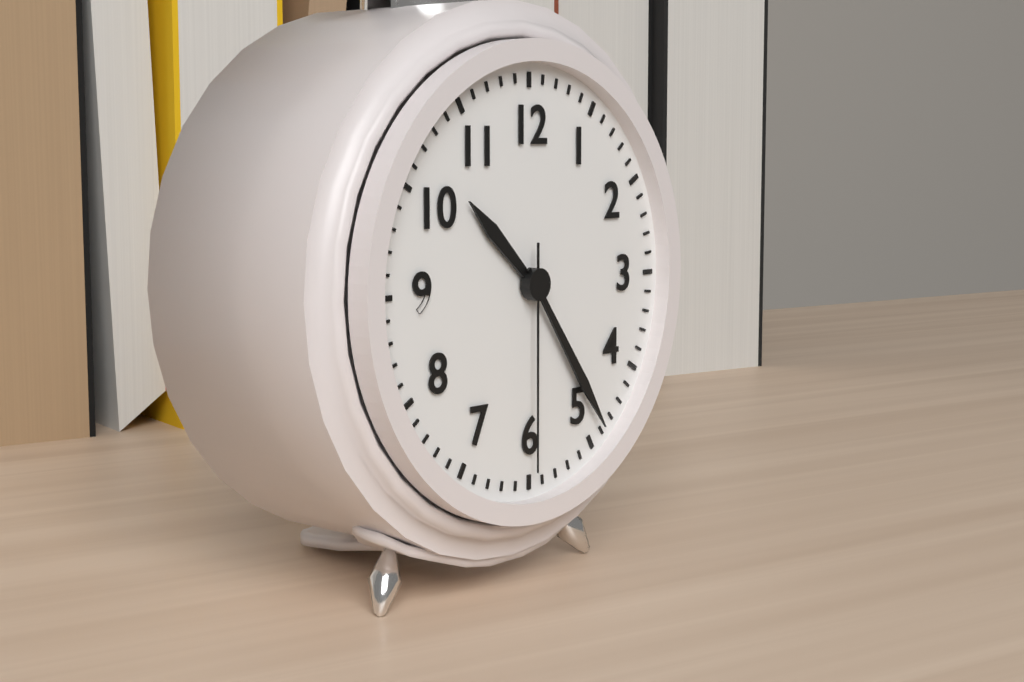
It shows {"hour": 10, "minute": 24, "second": 30}
